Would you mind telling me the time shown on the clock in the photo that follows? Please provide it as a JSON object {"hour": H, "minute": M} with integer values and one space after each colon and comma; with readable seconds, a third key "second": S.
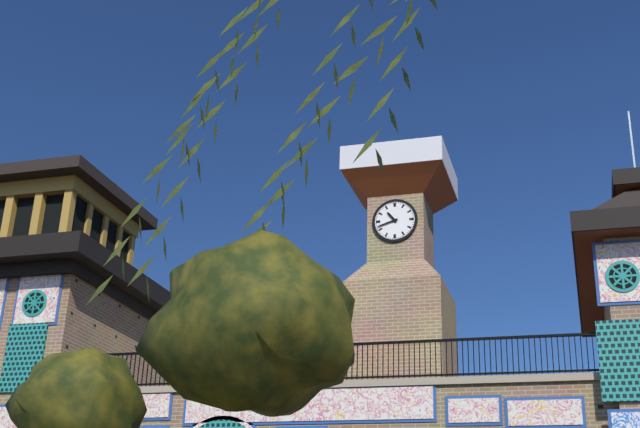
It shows {"hour": 10, "minute": 42}
